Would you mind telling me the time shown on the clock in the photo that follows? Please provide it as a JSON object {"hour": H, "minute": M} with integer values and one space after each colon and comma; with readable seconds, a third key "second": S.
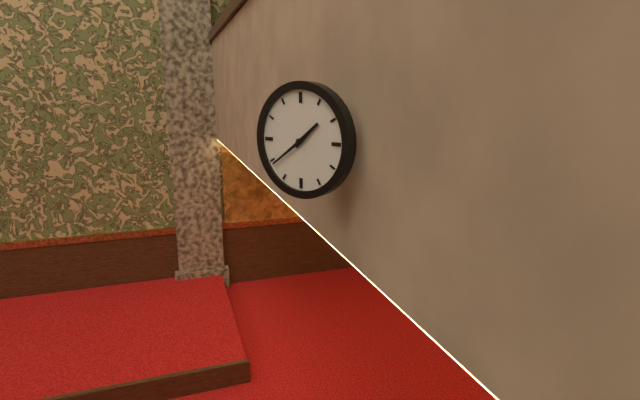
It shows {"hour": 1, "minute": 39}
